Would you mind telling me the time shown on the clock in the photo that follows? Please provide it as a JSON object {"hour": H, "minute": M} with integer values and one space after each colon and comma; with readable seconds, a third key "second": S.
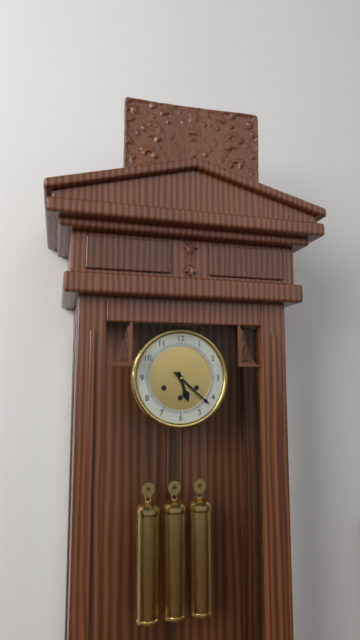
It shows {"hour": 5, "minute": 22}
